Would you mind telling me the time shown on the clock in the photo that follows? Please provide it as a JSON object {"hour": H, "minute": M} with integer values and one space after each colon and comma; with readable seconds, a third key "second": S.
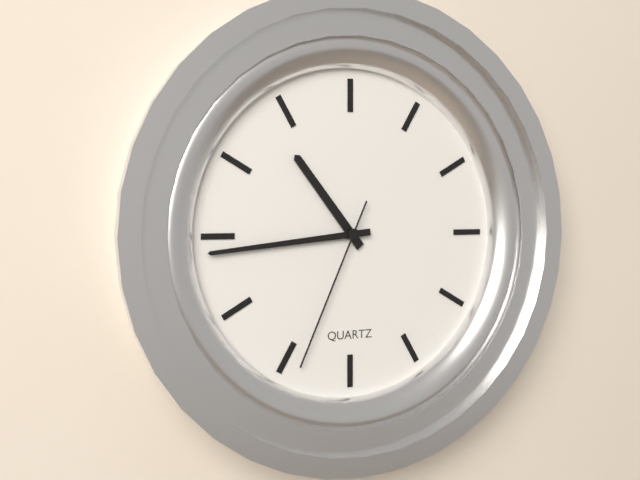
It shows {"hour": 10, "minute": 44, "second": 34}
